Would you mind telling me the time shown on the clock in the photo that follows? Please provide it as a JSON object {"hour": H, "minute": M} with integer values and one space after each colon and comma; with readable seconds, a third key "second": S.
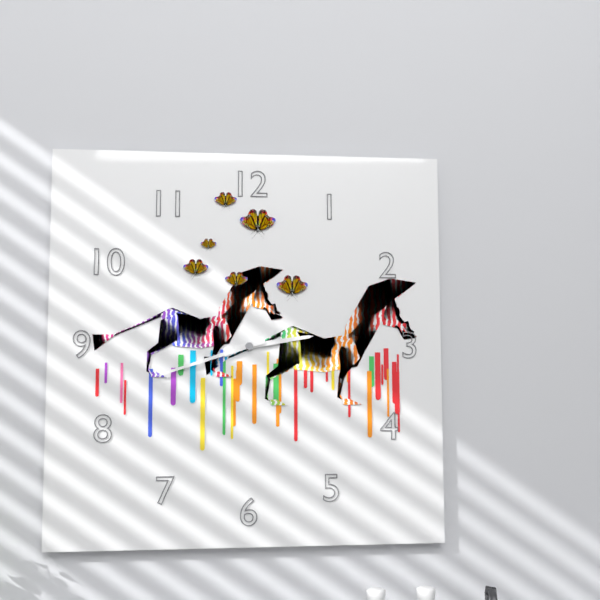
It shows {"hour": 2, "minute": 42}
